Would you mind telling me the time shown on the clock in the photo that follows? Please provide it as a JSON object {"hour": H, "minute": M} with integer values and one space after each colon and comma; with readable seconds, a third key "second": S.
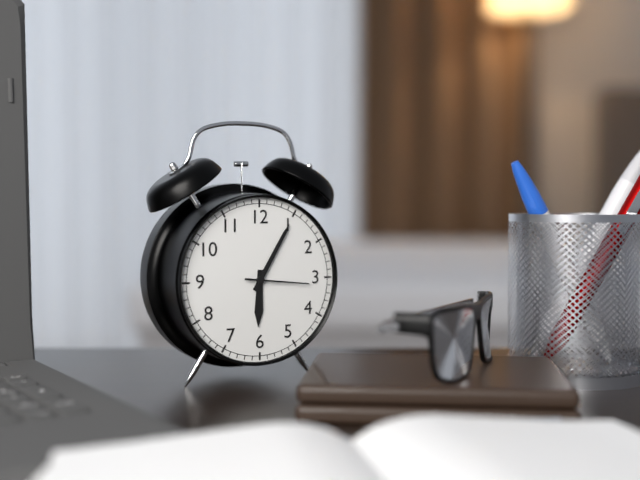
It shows {"hour": 6, "minute": 5, "second": 16}
